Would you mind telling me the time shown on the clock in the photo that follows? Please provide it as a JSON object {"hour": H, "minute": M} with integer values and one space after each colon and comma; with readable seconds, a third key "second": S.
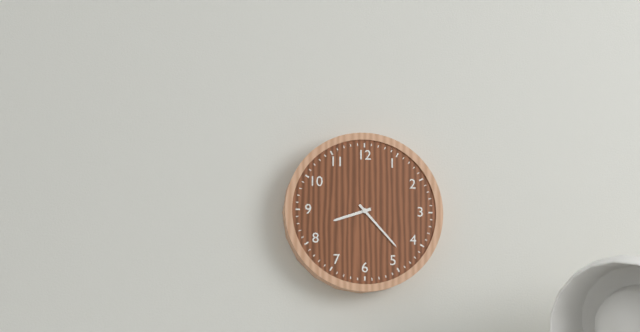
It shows {"hour": 8, "minute": 23}
